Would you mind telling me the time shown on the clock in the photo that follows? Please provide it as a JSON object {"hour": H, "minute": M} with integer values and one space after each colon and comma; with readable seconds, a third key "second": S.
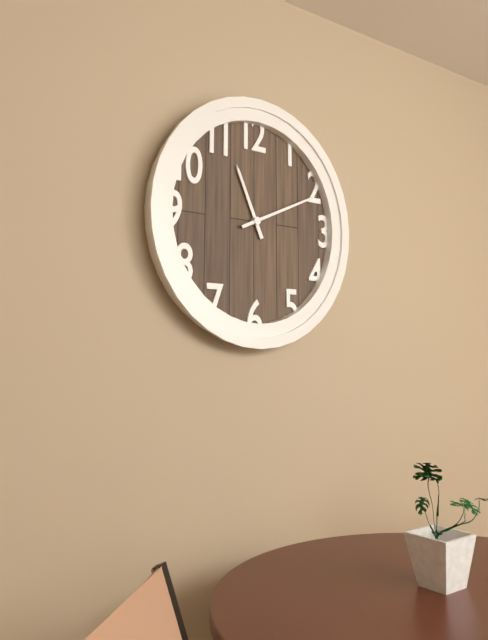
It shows {"hour": 11, "minute": 11}
